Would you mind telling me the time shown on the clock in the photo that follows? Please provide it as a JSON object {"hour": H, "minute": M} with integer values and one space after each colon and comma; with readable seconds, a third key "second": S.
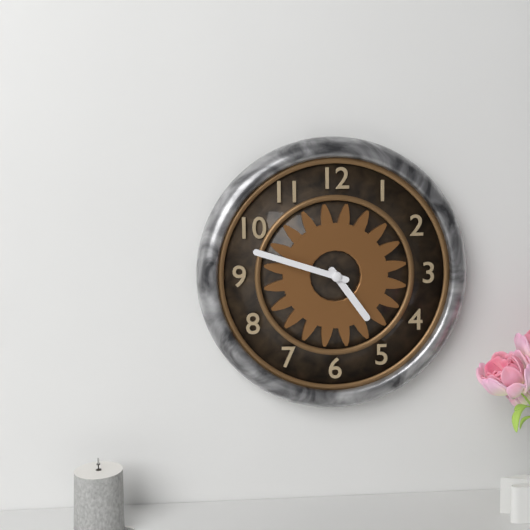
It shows {"hour": 4, "minute": 48}
